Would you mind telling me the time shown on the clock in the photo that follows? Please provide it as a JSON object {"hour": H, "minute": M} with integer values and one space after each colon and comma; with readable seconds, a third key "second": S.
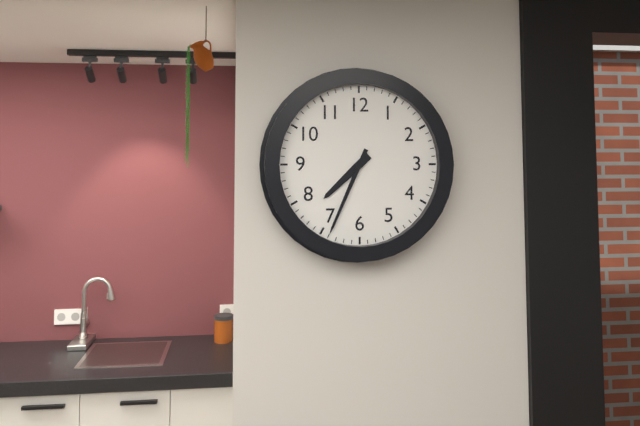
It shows {"hour": 7, "minute": 34}
